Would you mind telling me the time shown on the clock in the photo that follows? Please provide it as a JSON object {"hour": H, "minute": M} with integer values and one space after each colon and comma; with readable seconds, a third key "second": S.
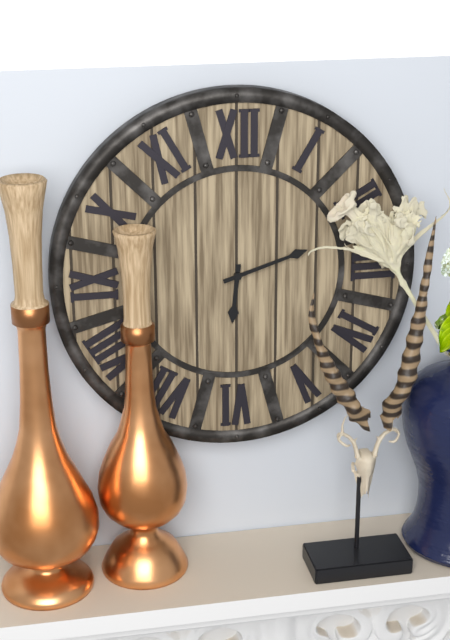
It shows {"hour": 6, "minute": 12}
